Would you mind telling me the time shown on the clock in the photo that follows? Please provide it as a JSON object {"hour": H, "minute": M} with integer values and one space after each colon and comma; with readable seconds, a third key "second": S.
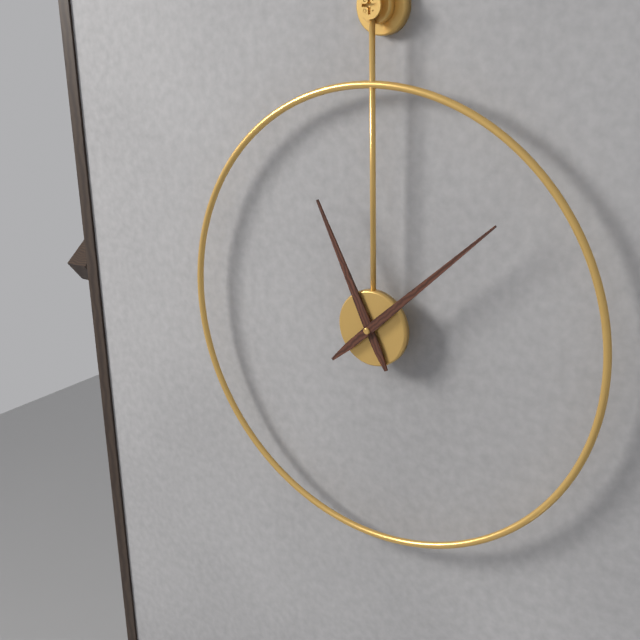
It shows {"hour": 11, "minute": 8}
